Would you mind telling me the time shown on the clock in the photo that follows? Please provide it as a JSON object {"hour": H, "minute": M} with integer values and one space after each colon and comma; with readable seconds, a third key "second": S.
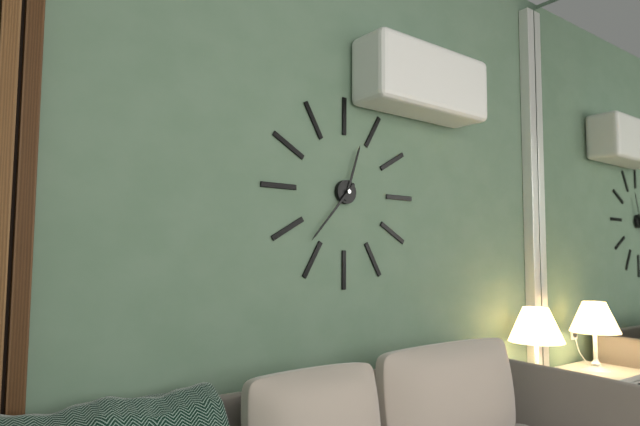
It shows {"hour": 12, "minute": 37}
